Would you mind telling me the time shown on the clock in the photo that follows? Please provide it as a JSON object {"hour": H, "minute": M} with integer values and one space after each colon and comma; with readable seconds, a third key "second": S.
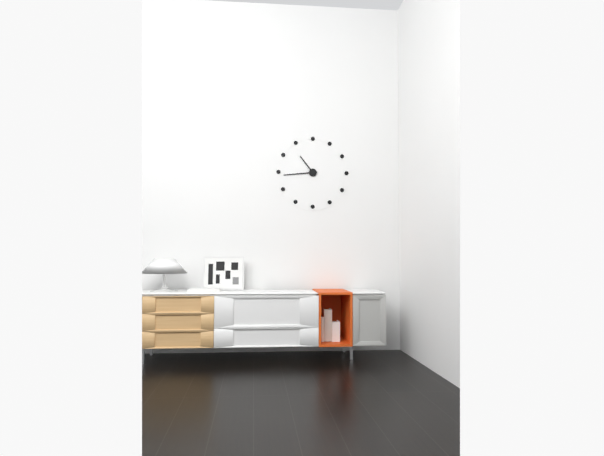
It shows {"hour": 10, "minute": 44}
